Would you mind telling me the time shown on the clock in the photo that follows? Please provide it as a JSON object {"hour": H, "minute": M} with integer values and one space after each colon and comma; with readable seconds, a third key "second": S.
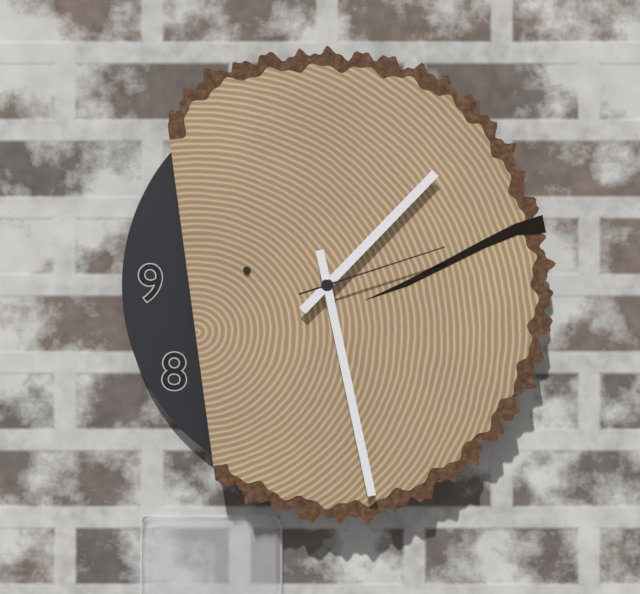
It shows {"hour": 1, "minute": 28, "second": 12}
